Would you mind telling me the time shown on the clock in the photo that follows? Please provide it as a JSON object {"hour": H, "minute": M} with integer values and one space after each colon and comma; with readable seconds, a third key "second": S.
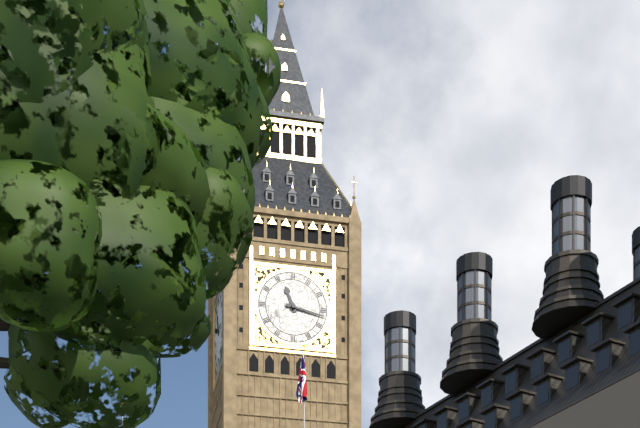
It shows {"hour": 11, "minute": 17}
